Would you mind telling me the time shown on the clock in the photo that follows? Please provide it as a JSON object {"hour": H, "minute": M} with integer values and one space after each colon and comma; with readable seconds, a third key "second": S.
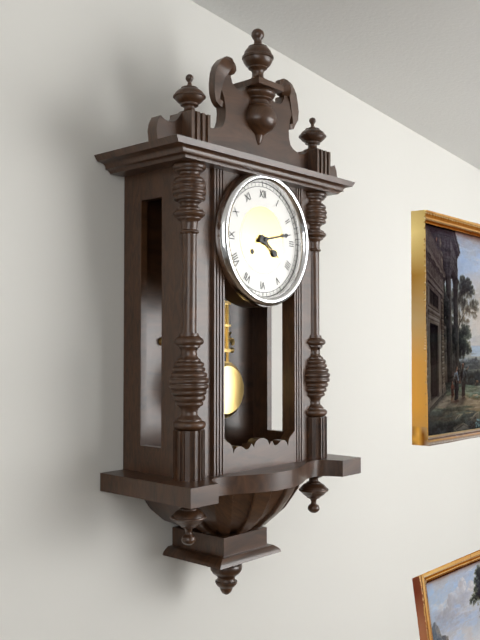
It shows {"hour": 4, "minute": 13}
